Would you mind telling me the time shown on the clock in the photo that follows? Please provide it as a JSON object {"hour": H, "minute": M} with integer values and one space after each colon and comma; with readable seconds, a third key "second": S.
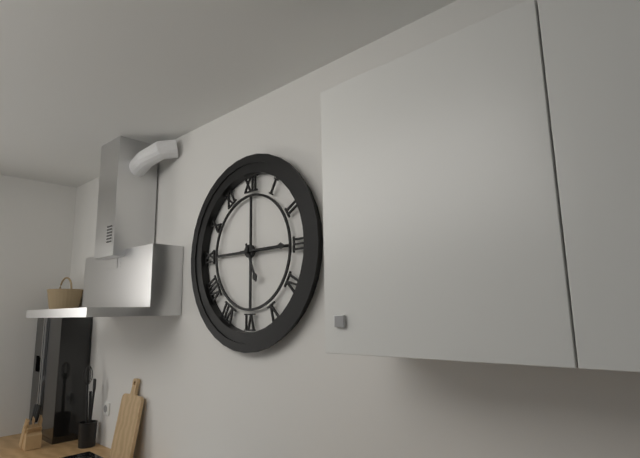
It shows {"hour": 5, "minute": 15}
